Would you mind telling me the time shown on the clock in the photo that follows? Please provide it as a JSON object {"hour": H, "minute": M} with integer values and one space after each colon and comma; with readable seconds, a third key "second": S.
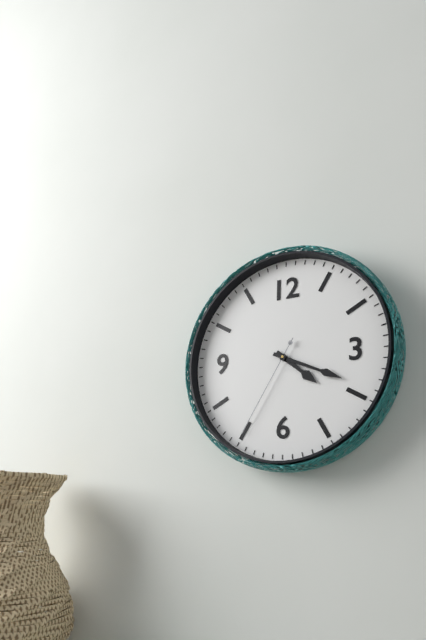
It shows {"hour": 4, "minute": 19, "second": 35}
